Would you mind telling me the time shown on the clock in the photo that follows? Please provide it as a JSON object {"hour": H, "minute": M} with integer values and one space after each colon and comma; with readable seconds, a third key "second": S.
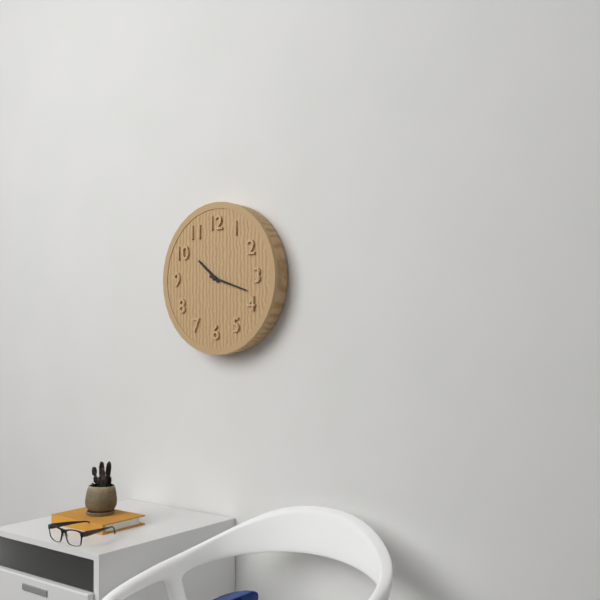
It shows {"hour": 10, "minute": 18}
